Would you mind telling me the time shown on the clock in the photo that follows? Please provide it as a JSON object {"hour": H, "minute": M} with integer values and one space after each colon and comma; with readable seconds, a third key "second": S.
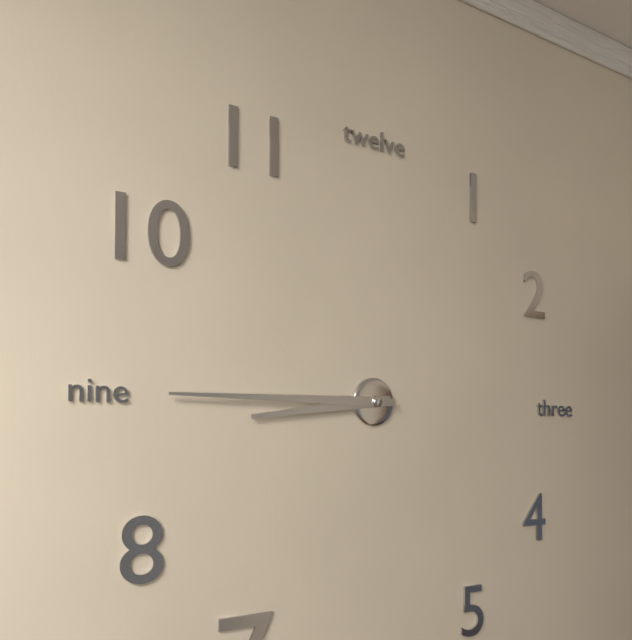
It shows {"hour": 8, "minute": 45}
